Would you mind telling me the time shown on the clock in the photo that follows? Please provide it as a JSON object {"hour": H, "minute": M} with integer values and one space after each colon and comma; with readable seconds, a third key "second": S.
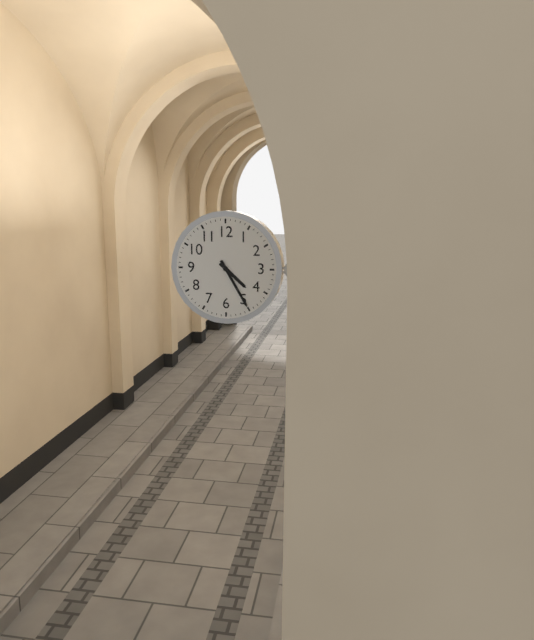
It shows {"hour": 4, "minute": 25}
